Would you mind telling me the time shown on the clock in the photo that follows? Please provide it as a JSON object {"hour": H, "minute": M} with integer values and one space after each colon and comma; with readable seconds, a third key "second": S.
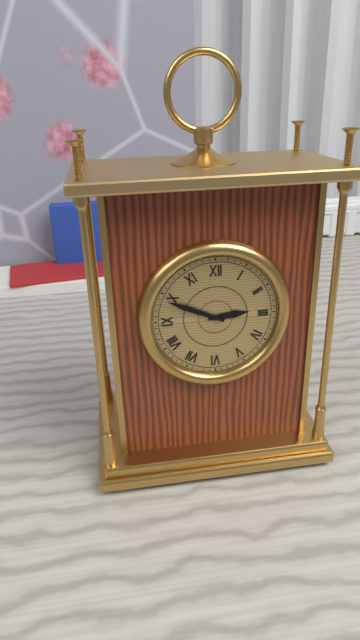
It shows {"hour": 2, "minute": 49}
